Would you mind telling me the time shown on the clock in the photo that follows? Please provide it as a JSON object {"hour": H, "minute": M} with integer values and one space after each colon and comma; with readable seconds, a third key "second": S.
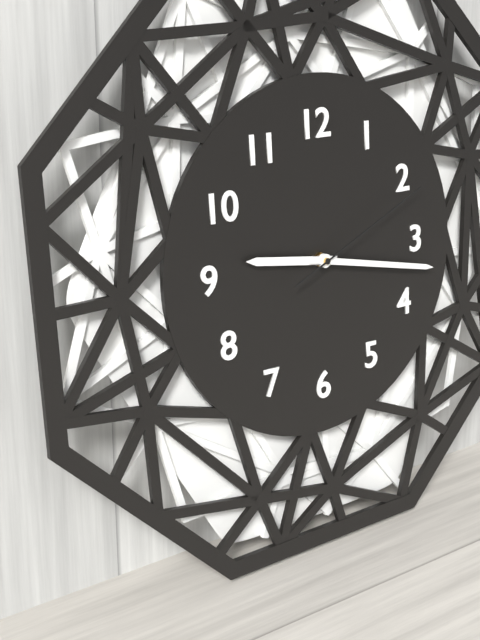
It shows {"hour": 9, "minute": 17, "second": 11}
